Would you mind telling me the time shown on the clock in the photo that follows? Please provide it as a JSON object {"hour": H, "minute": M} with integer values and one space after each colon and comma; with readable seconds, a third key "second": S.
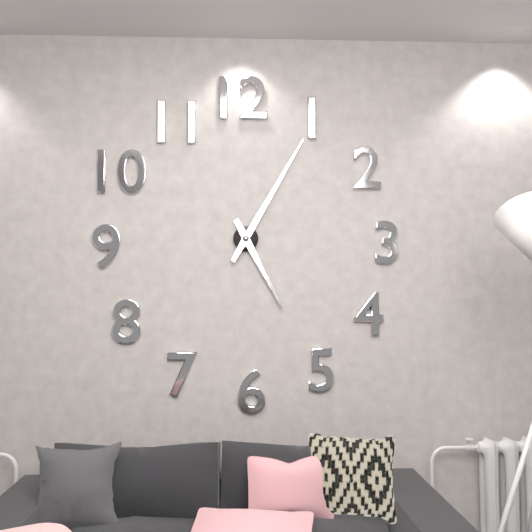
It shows {"hour": 5, "minute": 5}
